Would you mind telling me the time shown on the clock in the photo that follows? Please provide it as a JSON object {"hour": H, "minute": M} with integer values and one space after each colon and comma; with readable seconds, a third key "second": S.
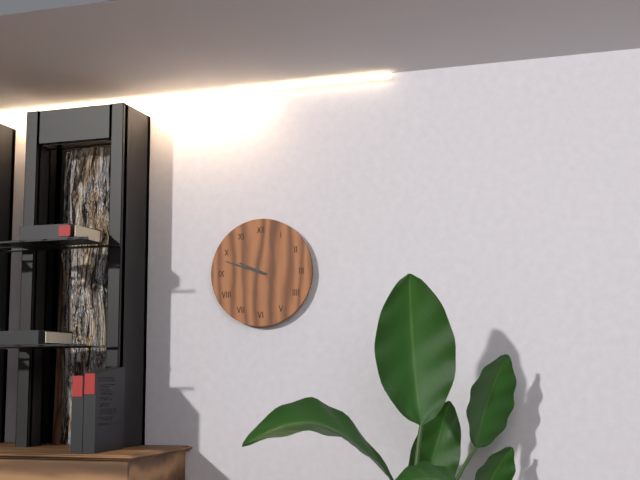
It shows {"hour": 9, "minute": 48}
